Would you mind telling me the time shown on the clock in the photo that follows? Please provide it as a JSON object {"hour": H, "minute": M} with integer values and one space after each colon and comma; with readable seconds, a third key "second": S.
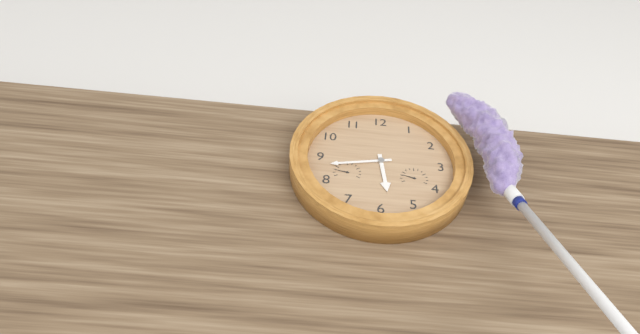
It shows {"hour": 5, "minute": 43}
